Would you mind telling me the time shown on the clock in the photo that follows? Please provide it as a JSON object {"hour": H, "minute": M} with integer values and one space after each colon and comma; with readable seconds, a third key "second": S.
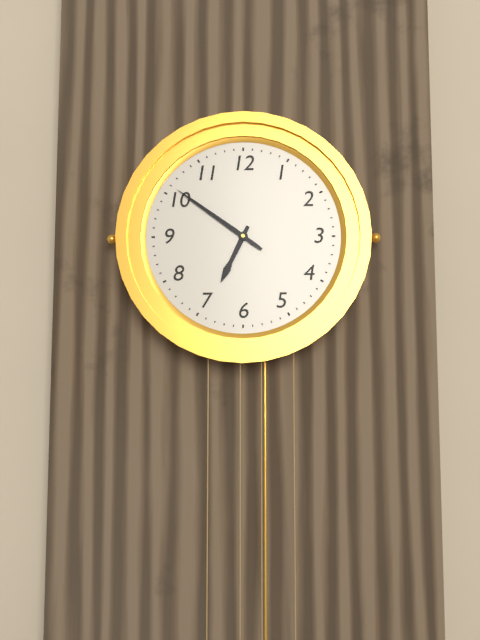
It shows {"hour": 6, "minute": 51}
